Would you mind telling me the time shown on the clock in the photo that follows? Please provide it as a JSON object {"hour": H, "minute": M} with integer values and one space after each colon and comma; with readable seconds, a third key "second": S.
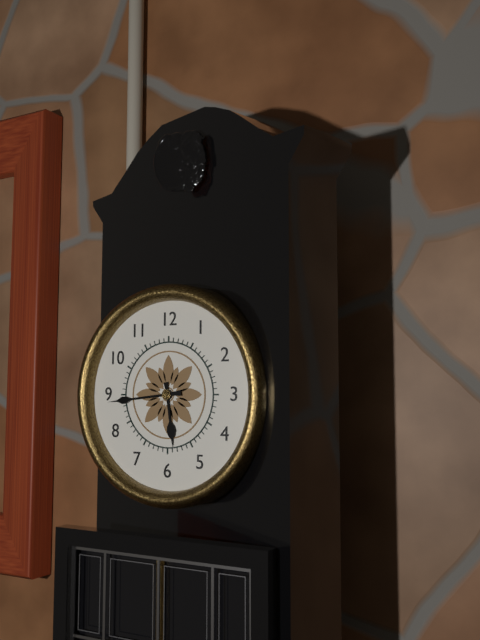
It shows {"hour": 5, "minute": 44}
